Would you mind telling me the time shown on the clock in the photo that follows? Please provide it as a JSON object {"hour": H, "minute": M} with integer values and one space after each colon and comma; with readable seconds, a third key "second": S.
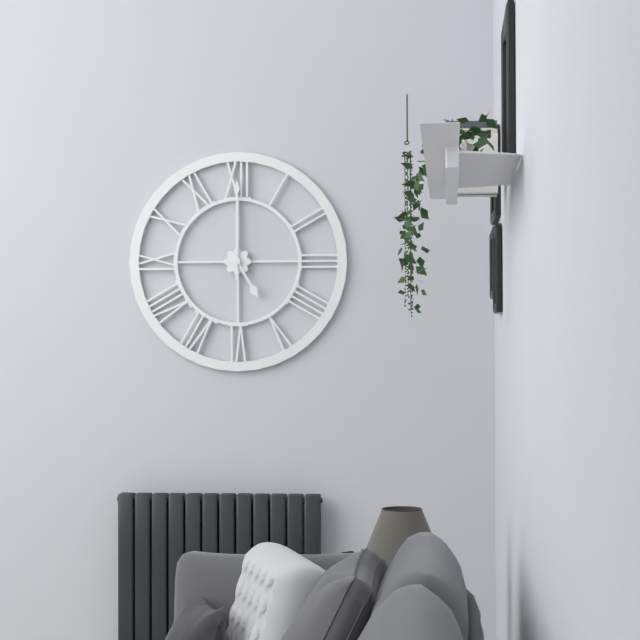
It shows {"hour": 5, "minute": 0}
